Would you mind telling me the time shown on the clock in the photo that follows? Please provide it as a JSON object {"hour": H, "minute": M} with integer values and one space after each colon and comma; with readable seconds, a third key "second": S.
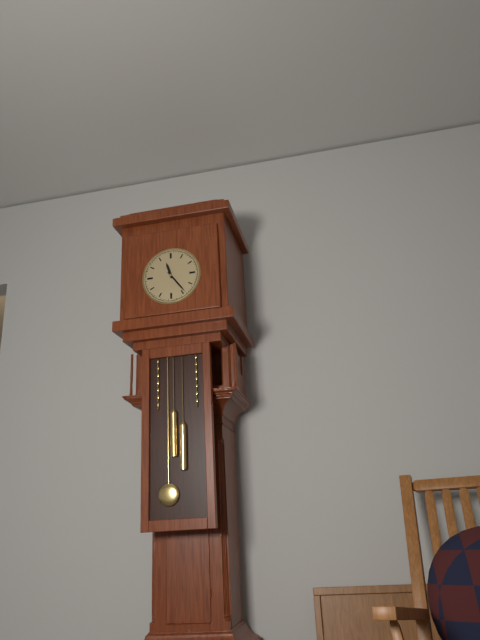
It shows {"hour": 11, "minute": 24}
